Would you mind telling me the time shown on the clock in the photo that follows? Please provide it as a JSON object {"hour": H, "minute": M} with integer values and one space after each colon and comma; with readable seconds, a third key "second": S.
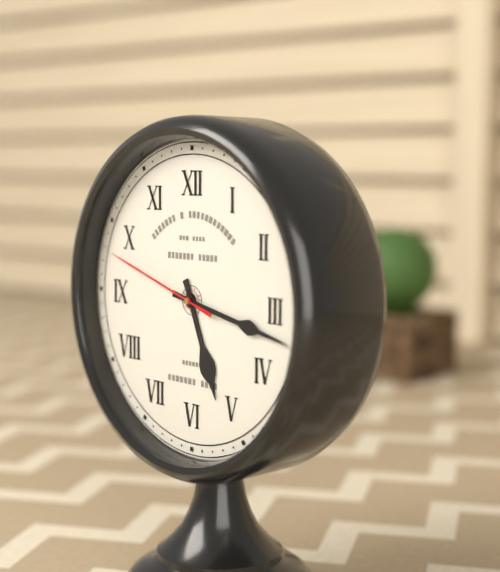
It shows {"hour": 5, "minute": 17, "second": 48}
